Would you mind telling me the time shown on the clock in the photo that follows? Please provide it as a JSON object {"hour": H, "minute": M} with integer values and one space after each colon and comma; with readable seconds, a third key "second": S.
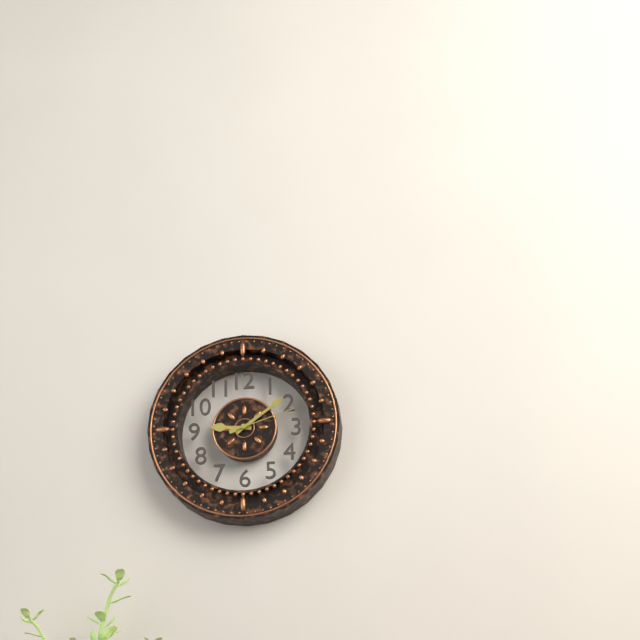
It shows {"hour": 9, "minute": 9, "second": 12}
